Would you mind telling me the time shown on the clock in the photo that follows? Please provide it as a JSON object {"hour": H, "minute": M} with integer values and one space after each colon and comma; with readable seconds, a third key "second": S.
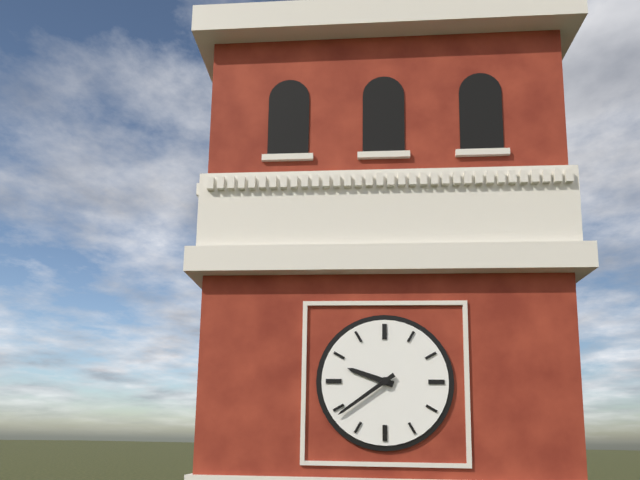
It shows {"hour": 9, "minute": 39}
